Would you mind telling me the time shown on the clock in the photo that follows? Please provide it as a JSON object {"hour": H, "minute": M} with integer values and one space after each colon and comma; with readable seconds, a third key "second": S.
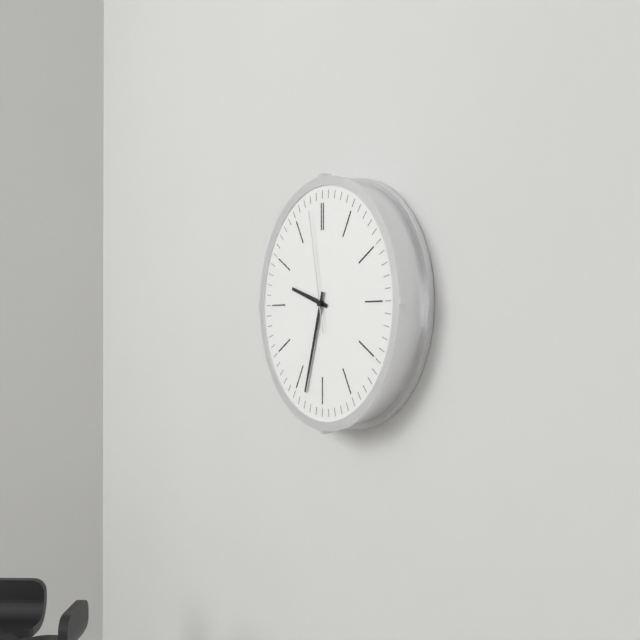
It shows {"hour": 9, "minute": 33, "second": 58}
